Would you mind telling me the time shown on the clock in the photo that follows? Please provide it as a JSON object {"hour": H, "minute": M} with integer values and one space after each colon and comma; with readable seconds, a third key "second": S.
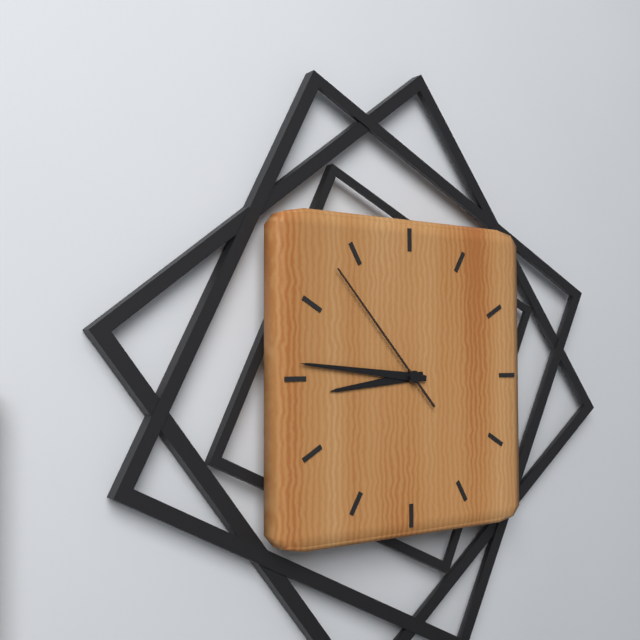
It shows {"hour": 8, "minute": 46, "second": 53}
